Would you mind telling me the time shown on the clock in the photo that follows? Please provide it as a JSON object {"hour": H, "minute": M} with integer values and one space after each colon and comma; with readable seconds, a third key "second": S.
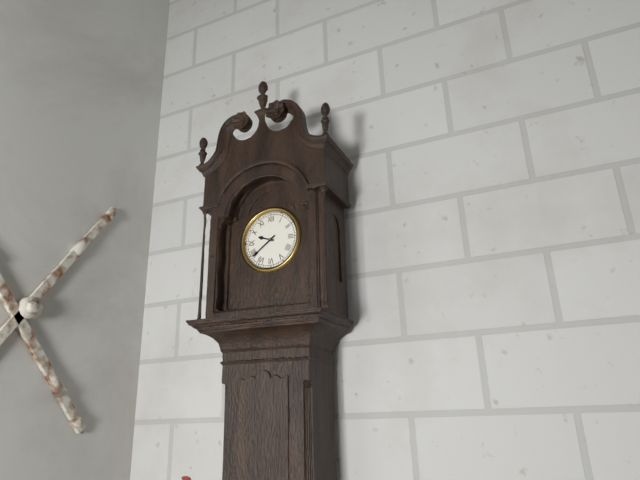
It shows {"hour": 9, "minute": 39}
